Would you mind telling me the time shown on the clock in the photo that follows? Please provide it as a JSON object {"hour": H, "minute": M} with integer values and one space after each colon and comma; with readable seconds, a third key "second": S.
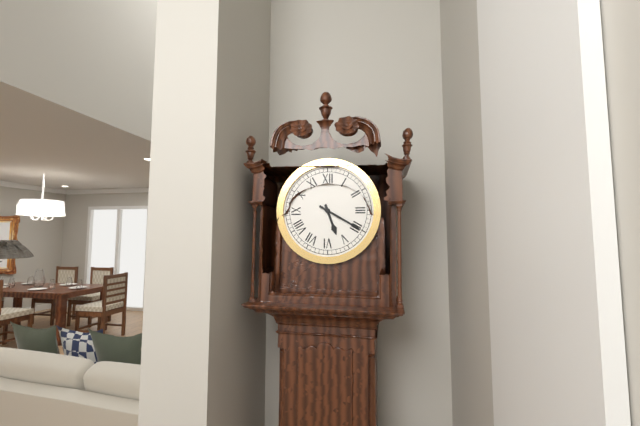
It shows {"hour": 5, "minute": 20}
